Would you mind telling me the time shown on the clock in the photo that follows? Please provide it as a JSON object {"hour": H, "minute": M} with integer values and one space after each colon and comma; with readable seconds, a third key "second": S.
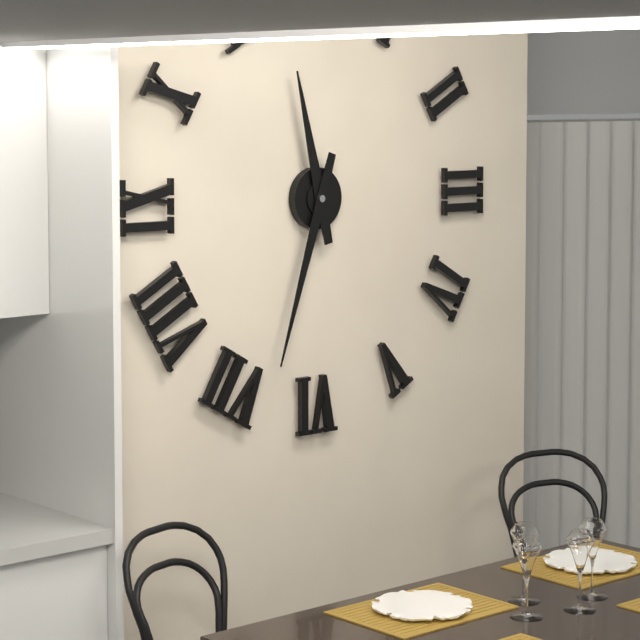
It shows {"hour": 11, "minute": 33}
